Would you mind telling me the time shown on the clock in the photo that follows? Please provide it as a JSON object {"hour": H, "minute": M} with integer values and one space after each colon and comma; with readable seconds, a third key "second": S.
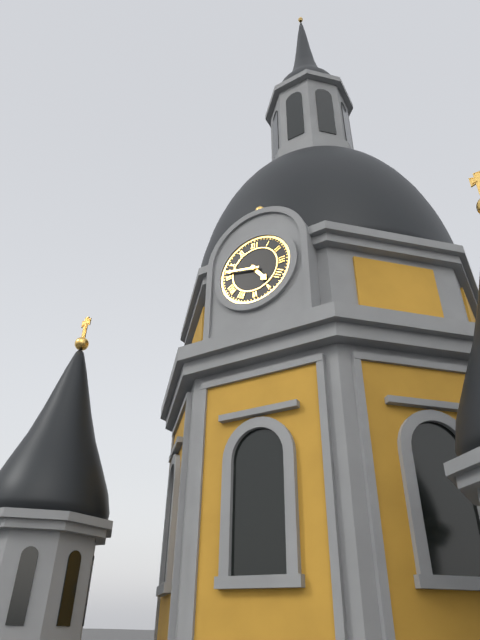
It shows {"hour": 4, "minute": 47}
